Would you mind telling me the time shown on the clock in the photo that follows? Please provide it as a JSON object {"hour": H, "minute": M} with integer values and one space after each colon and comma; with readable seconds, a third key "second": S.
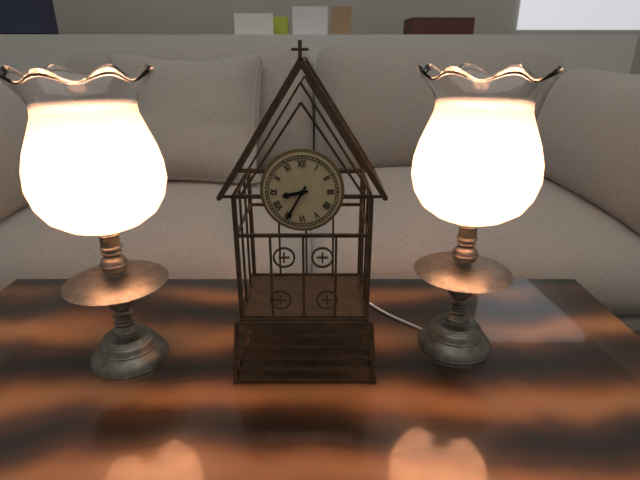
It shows {"hour": 8, "minute": 35}
